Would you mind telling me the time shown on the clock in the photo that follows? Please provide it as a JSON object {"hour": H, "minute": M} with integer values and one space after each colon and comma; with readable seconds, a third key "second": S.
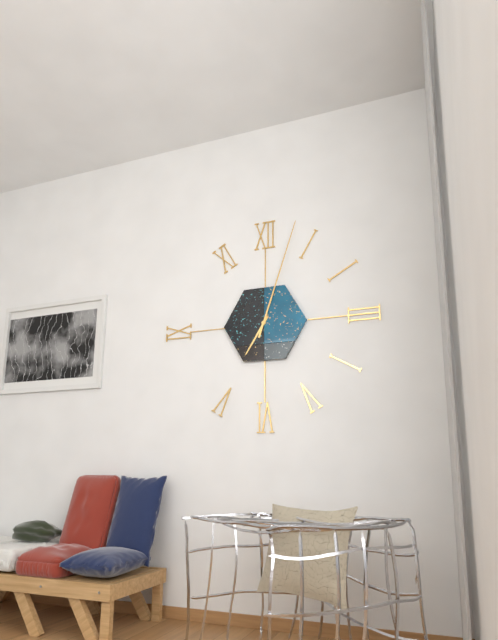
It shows {"hour": 7, "minute": 3}
